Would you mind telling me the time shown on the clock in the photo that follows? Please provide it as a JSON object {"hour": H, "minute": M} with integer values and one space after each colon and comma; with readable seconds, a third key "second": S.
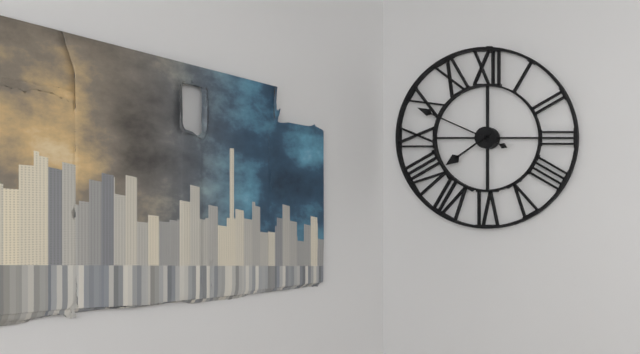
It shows {"hour": 7, "minute": 49}
